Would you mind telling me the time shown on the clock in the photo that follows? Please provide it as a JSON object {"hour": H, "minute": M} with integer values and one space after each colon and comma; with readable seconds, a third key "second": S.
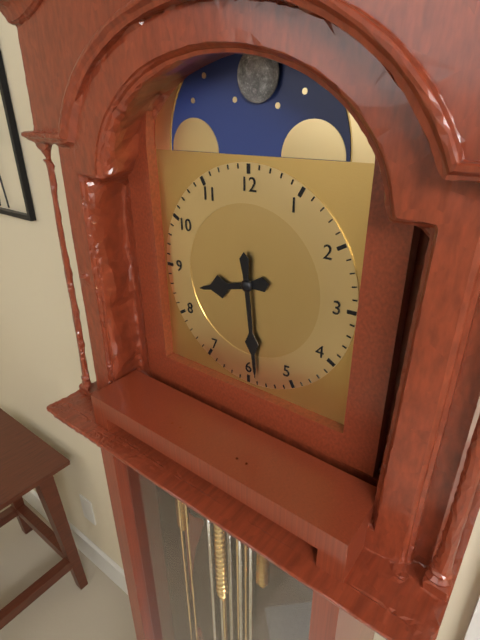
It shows {"hour": 8, "minute": 29}
